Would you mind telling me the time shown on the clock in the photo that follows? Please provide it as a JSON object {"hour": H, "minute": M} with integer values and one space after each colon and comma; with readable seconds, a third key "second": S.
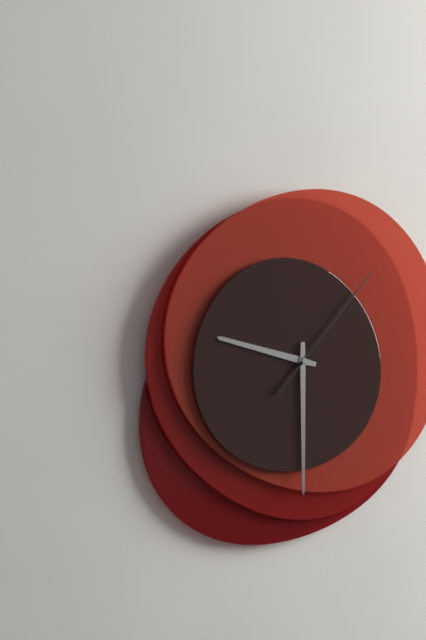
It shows {"hour": 9, "minute": 30, "second": 7}
